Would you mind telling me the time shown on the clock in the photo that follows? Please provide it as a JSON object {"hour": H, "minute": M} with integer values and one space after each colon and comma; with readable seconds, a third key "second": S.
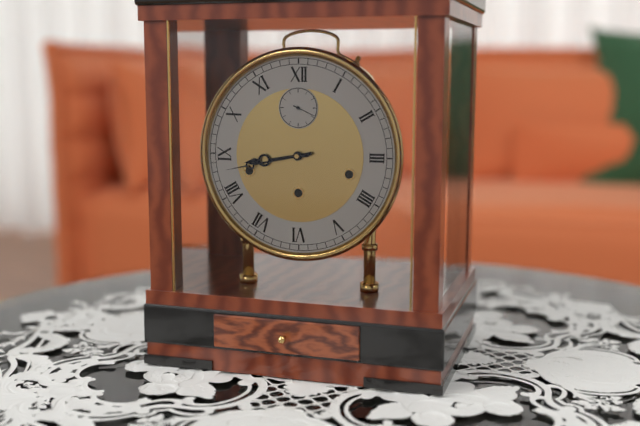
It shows {"hour": 8, "minute": 43}
